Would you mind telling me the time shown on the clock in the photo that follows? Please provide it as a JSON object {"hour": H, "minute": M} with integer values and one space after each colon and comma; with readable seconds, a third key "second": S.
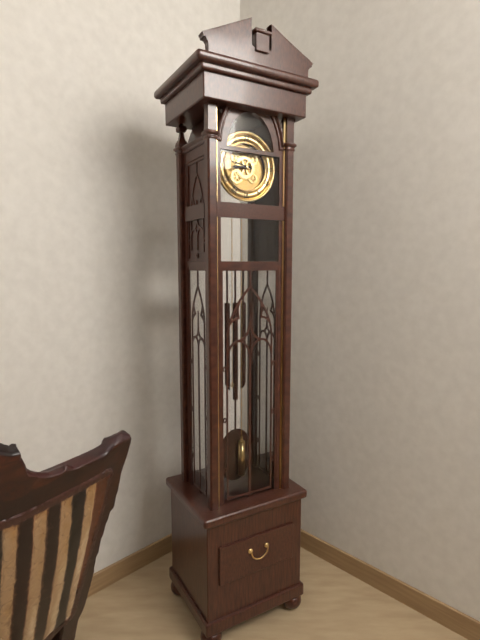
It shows {"hour": 8, "minute": 47}
